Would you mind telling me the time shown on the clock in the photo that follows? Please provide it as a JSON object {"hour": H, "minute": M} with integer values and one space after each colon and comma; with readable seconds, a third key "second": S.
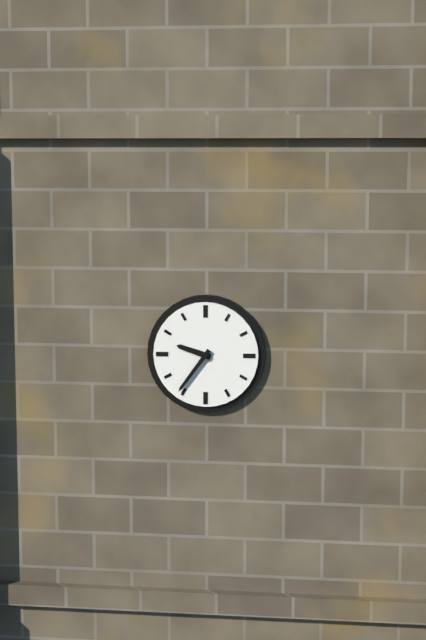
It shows {"hour": 9, "minute": 36}
